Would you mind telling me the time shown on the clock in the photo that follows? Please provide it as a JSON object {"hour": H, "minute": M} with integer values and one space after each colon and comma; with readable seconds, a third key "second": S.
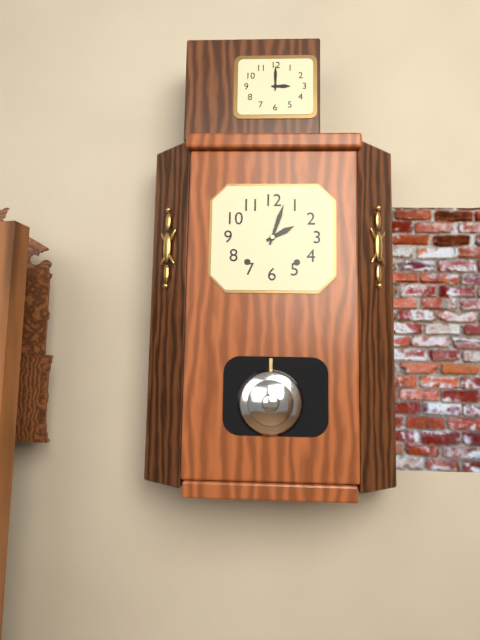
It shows {"hour": 2, "minute": 3}
